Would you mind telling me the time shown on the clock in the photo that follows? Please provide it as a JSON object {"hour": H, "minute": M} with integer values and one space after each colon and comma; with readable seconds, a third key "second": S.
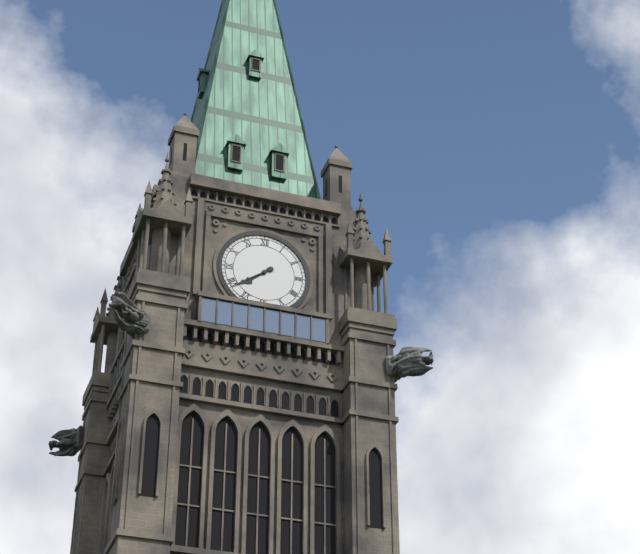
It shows {"hour": 7, "minute": 39}
